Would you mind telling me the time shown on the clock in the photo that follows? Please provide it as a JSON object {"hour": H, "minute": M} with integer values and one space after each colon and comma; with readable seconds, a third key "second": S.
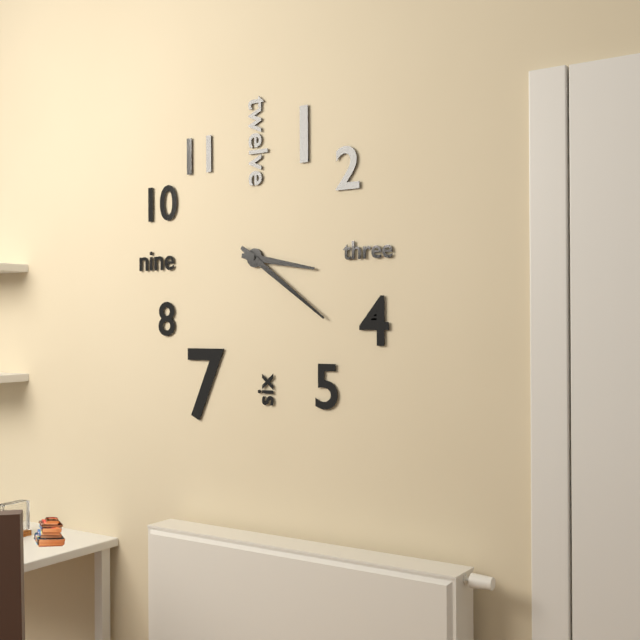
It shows {"hour": 3, "minute": 21}
